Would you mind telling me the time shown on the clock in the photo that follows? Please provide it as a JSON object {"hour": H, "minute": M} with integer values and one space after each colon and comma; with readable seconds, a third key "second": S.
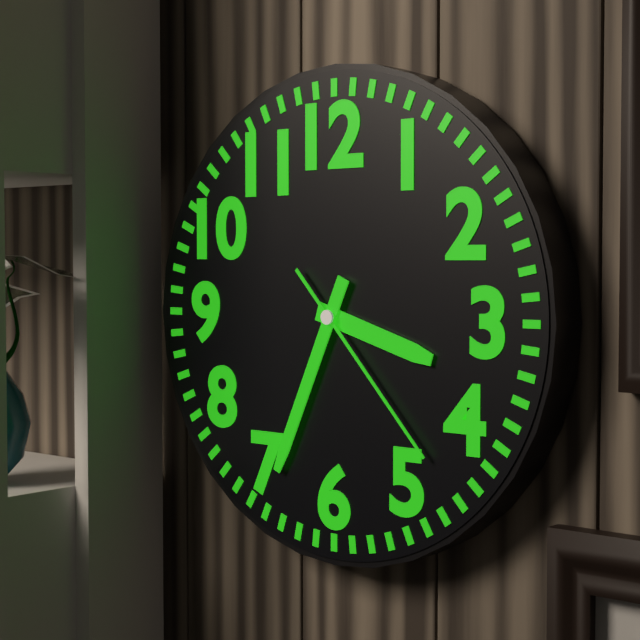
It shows {"hour": 3, "minute": 34, "second": 23}
